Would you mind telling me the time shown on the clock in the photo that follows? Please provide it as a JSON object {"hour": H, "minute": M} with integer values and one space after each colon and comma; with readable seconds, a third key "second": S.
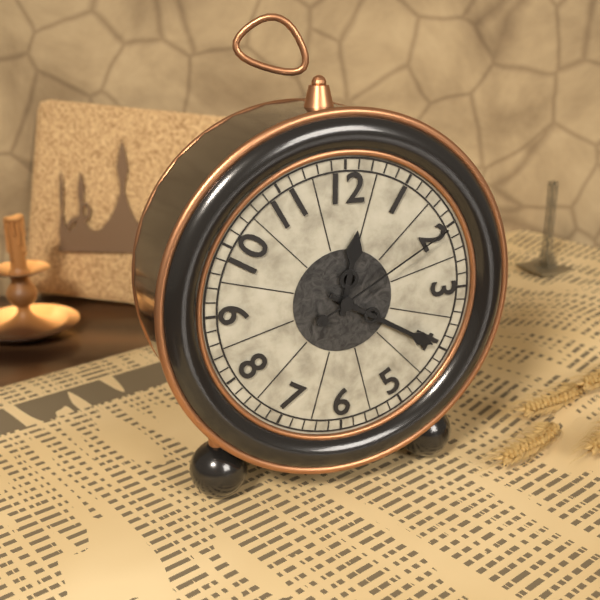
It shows {"hour": 12, "minute": 20, "second": 10}
